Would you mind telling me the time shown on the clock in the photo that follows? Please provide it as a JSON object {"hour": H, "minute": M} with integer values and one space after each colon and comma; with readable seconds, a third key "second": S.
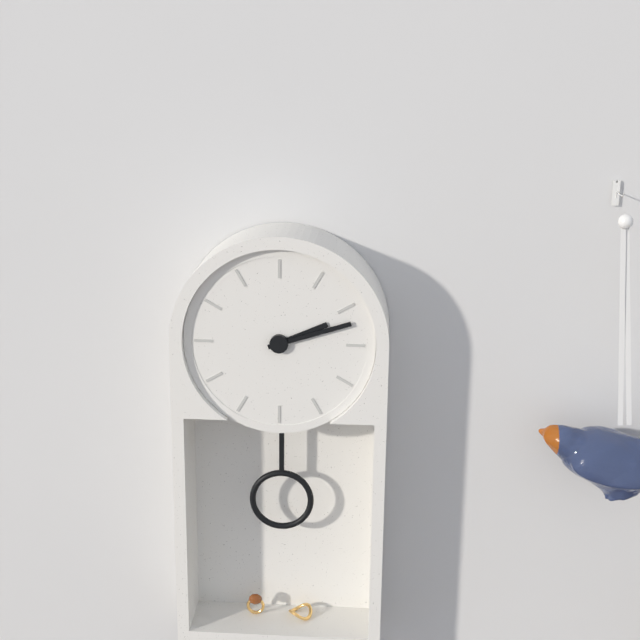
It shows {"hour": 2, "minute": 12}
